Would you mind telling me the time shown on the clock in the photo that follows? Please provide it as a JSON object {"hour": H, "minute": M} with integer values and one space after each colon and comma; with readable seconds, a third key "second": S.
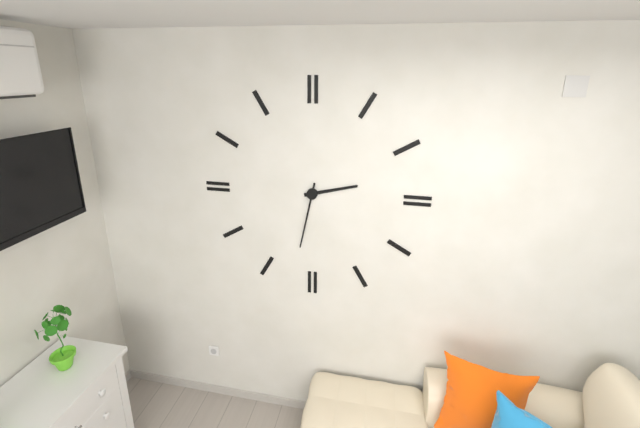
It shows {"hour": 2, "minute": 32}
